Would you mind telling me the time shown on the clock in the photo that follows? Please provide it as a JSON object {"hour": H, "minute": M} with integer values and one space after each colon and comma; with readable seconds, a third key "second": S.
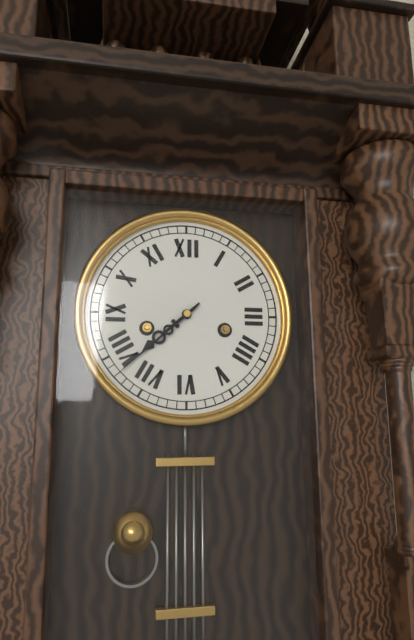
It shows {"hour": 7, "minute": 38}
